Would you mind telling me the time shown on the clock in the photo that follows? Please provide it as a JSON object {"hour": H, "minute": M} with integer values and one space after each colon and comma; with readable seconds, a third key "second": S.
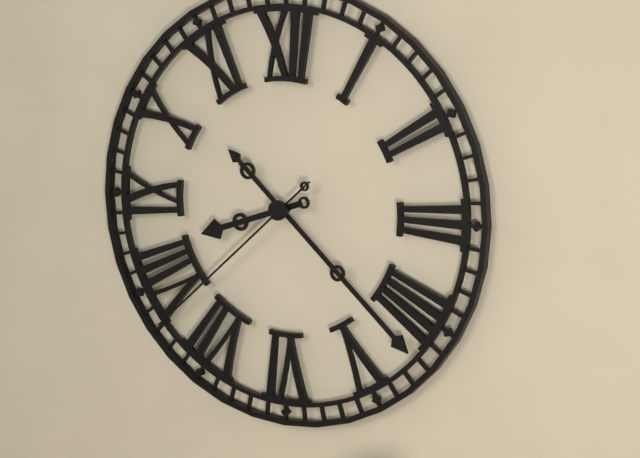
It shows {"hour": 8, "minute": 22, "second": 38}
